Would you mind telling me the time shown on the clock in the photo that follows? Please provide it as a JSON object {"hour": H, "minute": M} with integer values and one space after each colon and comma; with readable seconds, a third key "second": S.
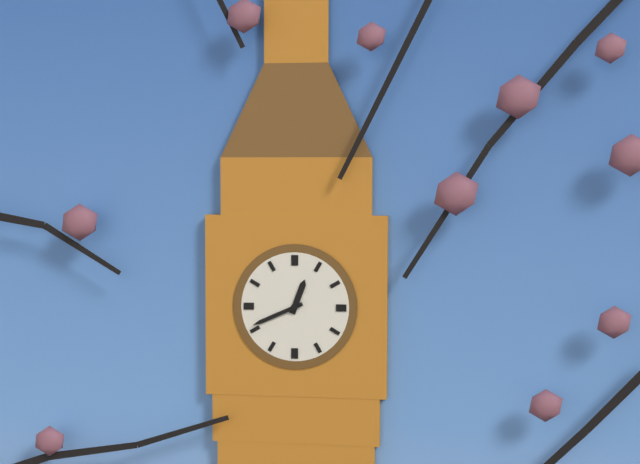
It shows {"hour": 12, "minute": 41}
